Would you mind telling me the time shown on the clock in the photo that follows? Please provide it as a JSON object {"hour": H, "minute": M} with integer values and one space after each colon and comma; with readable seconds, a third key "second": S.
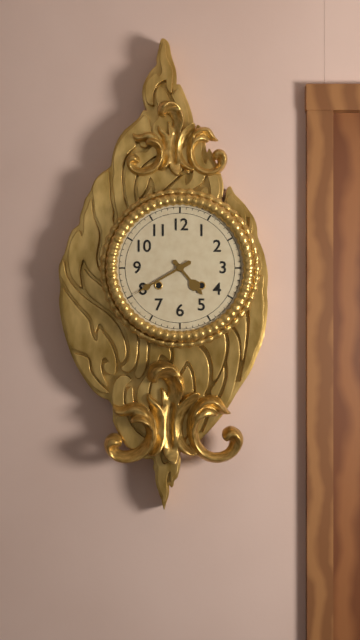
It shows {"hour": 4, "minute": 40}
